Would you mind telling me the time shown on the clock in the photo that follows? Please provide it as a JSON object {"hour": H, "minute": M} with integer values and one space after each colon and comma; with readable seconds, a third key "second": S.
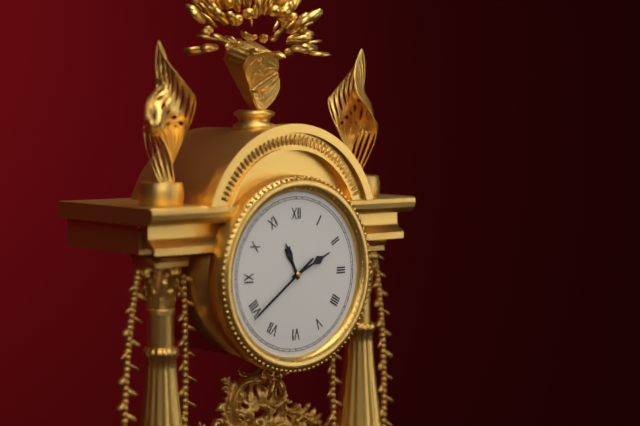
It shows {"hour": 11, "minute": 11, "second": 39}
